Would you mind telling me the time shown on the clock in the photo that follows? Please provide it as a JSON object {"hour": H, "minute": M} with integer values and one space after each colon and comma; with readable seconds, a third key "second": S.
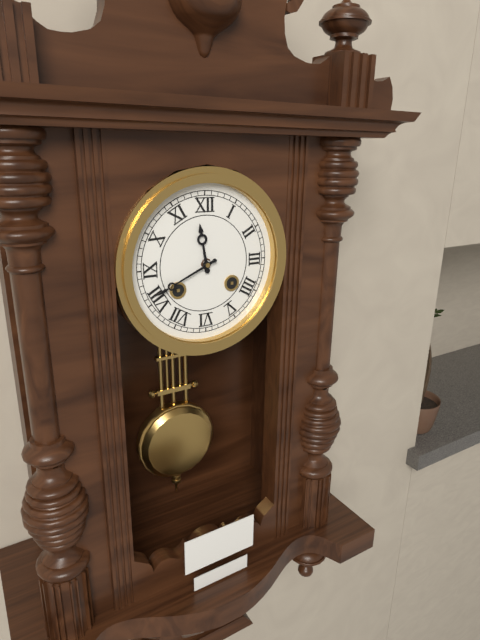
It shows {"hour": 11, "minute": 41}
